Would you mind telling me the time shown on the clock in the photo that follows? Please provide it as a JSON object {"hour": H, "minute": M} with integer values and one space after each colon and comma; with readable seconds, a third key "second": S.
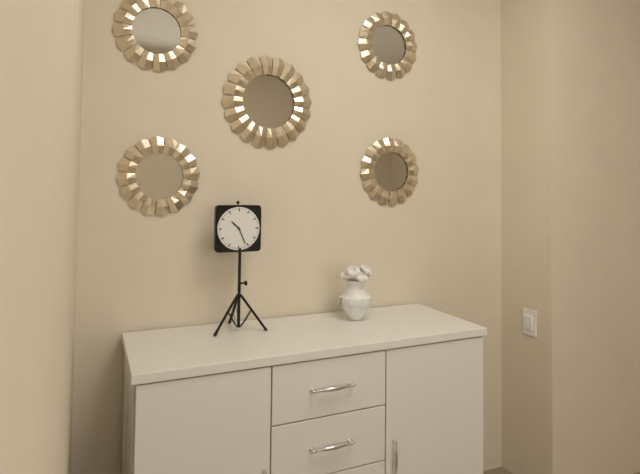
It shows {"hour": 10, "minute": 26}
